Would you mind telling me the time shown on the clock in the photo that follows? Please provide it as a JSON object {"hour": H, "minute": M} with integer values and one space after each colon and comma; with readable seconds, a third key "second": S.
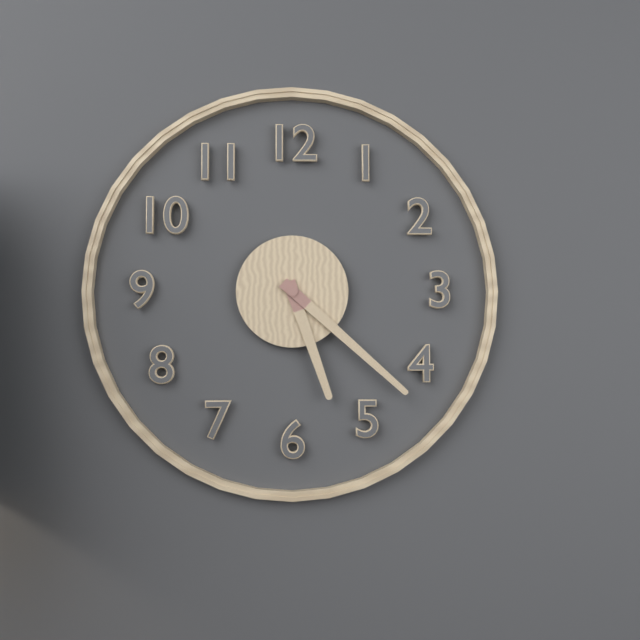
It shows {"hour": 5, "minute": 22}
